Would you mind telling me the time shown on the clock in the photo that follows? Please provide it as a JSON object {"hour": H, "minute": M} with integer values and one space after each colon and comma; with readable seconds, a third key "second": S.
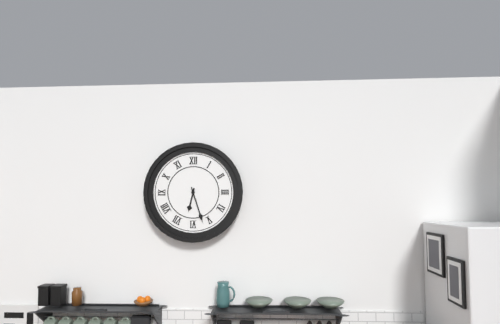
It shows {"hour": 6, "minute": 27}
